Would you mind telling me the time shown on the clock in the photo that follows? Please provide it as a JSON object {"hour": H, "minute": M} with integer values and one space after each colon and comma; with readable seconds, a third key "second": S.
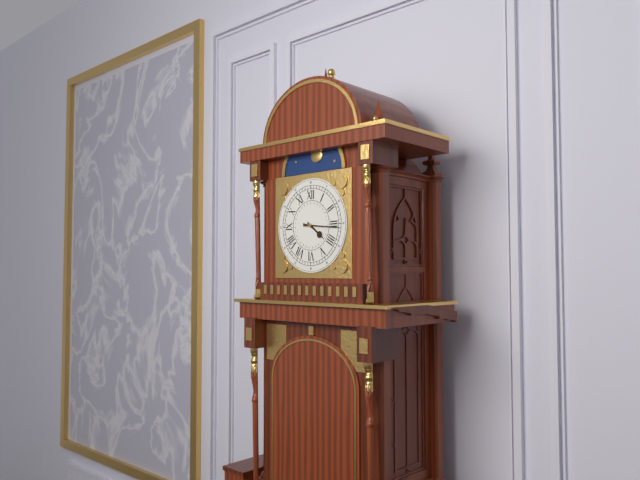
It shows {"hour": 4, "minute": 16}
